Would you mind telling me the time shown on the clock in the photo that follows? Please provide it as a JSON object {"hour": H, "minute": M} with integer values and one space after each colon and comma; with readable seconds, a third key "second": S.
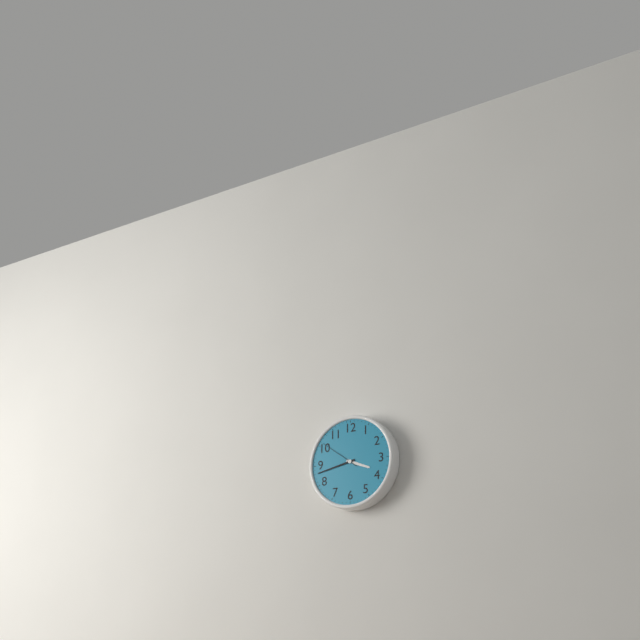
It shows {"hour": 3, "minute": 43}
